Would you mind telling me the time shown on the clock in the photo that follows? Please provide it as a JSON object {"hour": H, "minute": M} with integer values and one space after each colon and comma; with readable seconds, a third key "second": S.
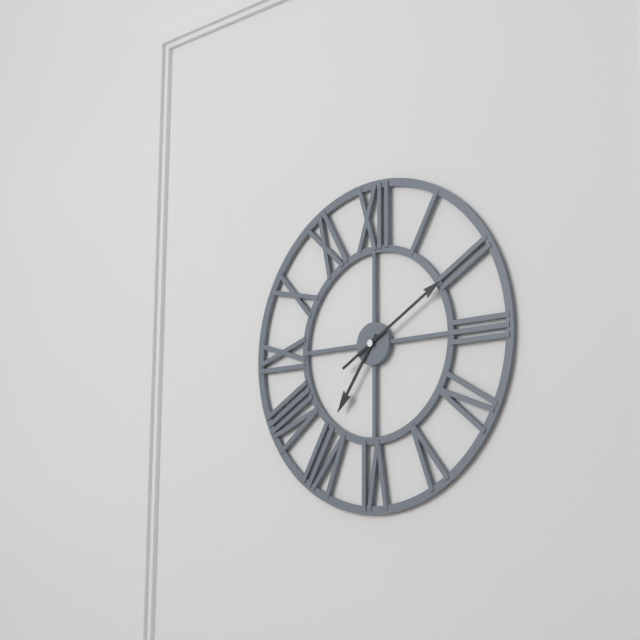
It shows {"hour": 7, "minute": 10}
